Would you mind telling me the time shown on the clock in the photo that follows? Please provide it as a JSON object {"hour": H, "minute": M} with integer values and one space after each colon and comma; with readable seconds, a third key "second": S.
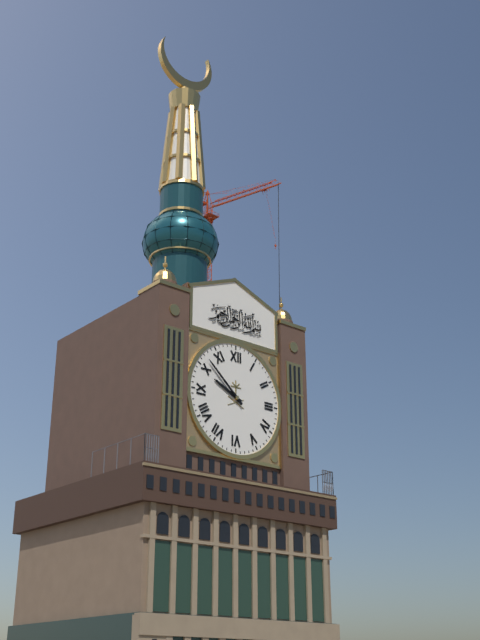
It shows {"hour": 9, "minute": 52}
